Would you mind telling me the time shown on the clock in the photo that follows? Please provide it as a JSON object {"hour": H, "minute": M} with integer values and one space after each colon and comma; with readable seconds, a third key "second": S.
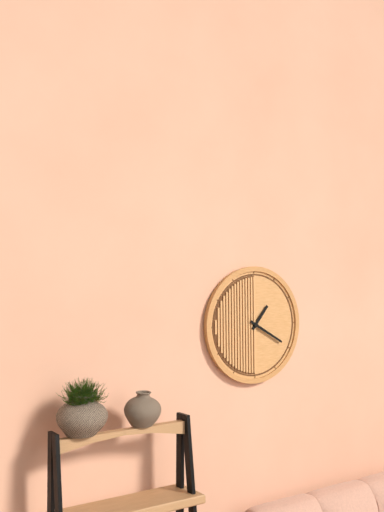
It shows {"hour": 1, "minute": 20}
